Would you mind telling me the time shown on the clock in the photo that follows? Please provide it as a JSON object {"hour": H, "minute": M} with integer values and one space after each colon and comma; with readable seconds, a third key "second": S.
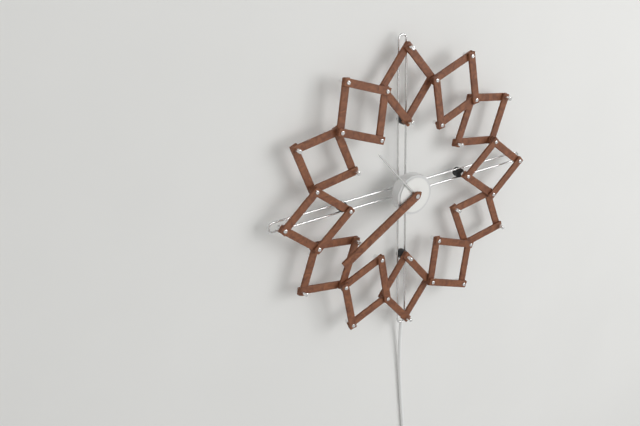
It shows {"hour": 10, "minute": 40}
